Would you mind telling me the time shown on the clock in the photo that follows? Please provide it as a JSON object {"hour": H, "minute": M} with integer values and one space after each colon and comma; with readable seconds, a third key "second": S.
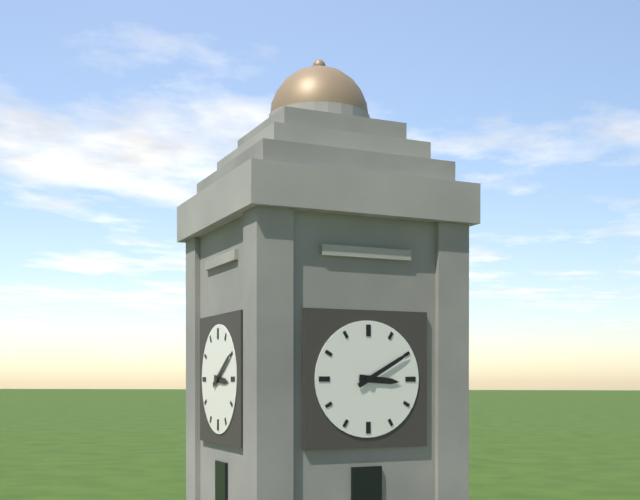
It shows {"hour": 3, "minute": 10}
